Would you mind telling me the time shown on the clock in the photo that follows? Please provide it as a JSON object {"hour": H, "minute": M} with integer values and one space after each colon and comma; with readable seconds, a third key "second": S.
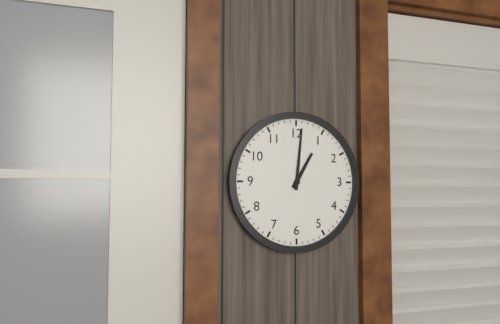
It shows {"hour": 1, "minute": 1}
